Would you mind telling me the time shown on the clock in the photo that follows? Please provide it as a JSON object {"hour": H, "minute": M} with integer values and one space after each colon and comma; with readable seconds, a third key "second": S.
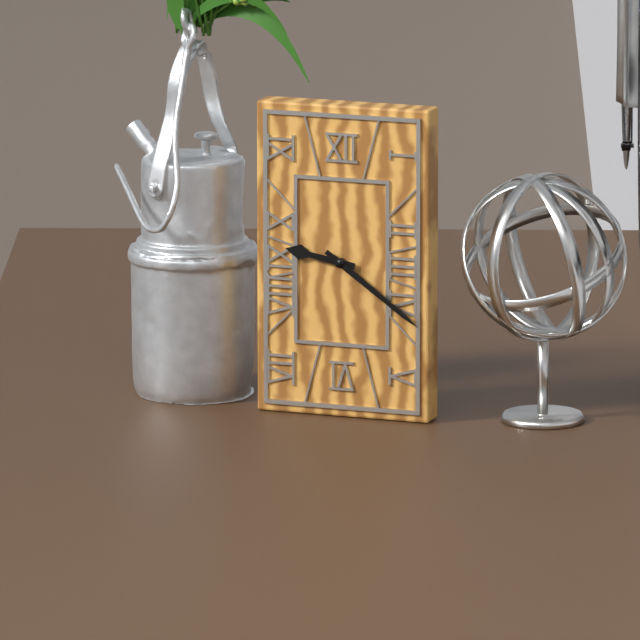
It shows {"hour": 9, "minute": 21}
